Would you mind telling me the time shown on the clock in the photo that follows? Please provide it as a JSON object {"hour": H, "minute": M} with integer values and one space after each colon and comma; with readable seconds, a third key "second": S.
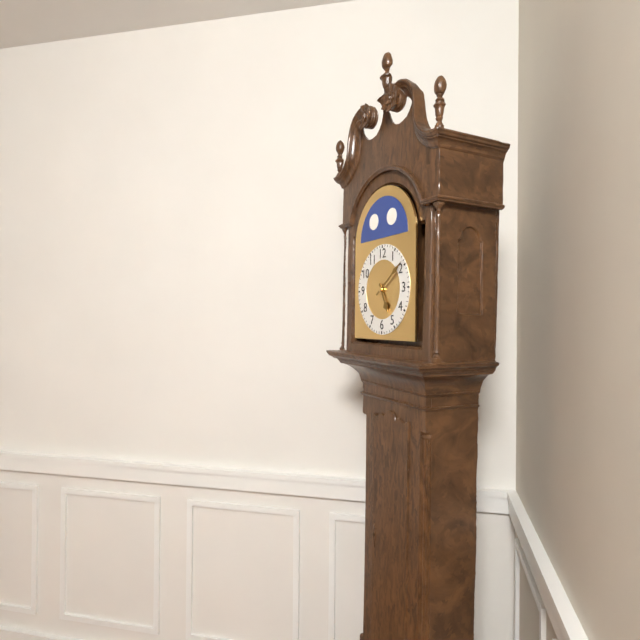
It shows {"hour": 5, "minute": 9}
